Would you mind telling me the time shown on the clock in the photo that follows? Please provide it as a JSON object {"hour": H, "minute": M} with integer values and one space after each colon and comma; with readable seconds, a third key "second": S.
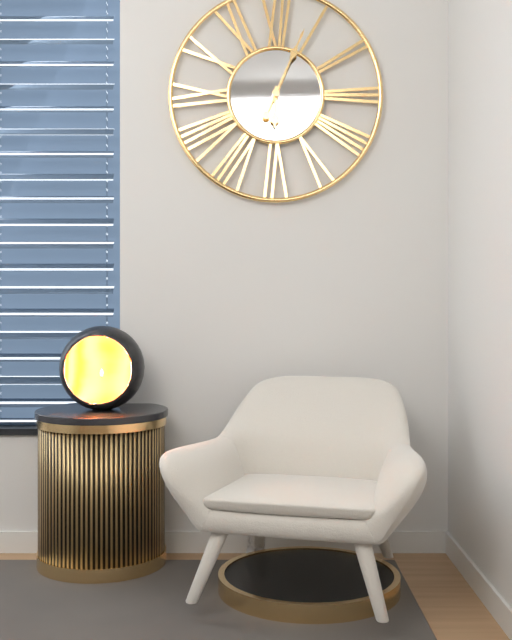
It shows {"hour": 6, "minute": 4}
